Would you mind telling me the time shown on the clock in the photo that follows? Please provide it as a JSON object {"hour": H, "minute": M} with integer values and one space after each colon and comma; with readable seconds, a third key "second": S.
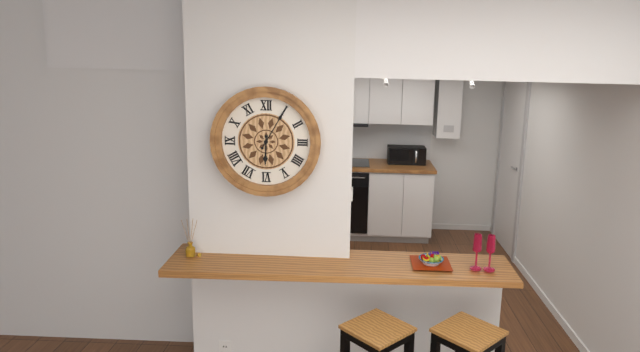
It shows {"hour": 6, "minute": 5}
